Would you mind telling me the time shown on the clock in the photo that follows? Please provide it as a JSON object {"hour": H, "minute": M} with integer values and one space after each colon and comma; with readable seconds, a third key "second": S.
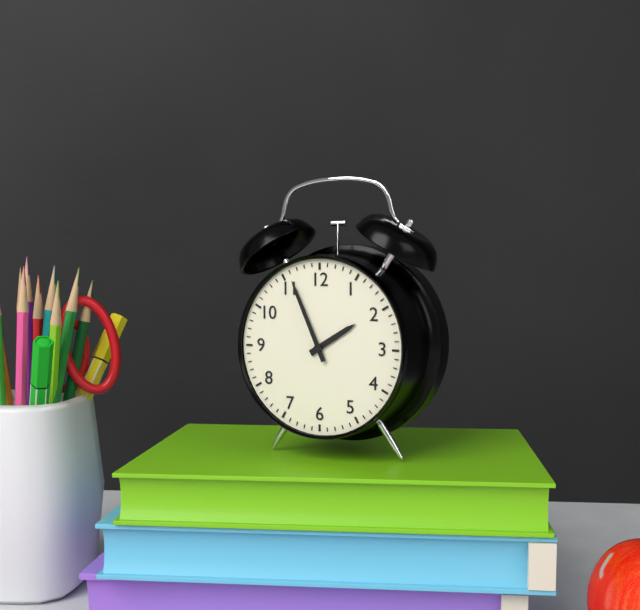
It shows {"hour": 1, "minute": 56}
